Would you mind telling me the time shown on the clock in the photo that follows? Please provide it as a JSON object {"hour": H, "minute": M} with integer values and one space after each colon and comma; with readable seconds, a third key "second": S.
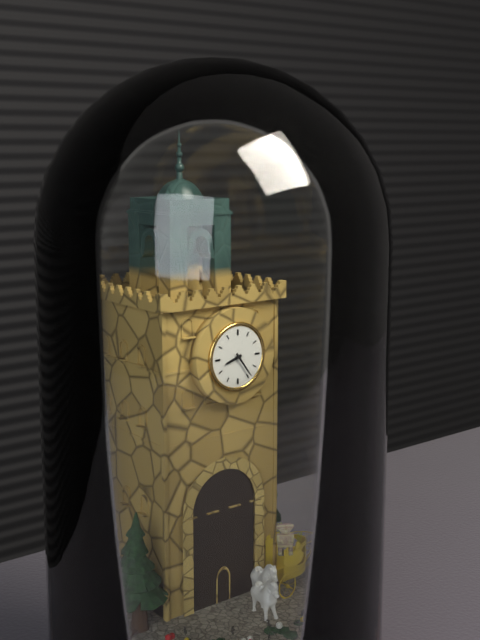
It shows {"hour": 8, "minute": 24}
